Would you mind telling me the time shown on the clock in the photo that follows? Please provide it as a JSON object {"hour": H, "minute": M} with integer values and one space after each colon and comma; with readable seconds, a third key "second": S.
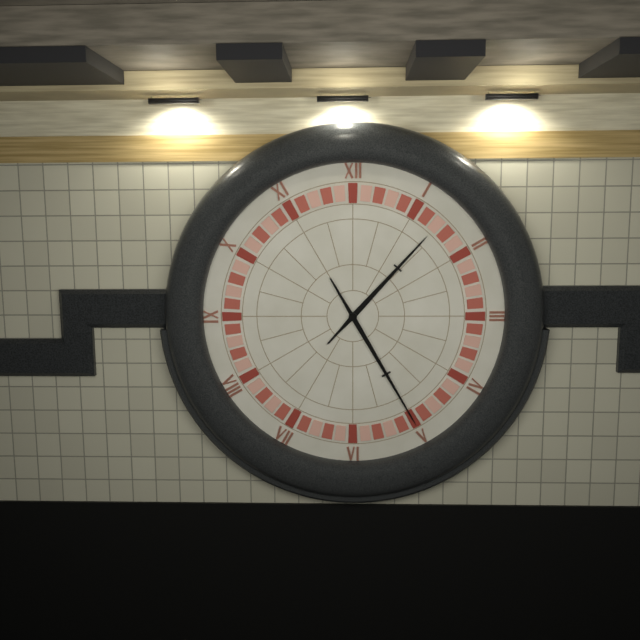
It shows {"hour": 1, "minute": 25}
